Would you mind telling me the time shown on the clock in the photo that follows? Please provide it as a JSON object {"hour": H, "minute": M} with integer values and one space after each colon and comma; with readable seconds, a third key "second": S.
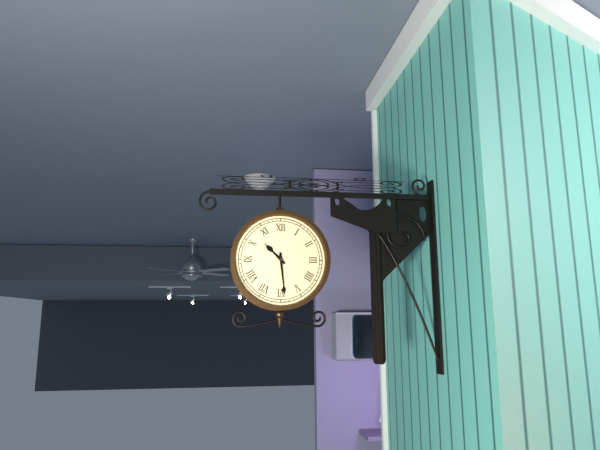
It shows {"hour": 10, "minute": 29}
